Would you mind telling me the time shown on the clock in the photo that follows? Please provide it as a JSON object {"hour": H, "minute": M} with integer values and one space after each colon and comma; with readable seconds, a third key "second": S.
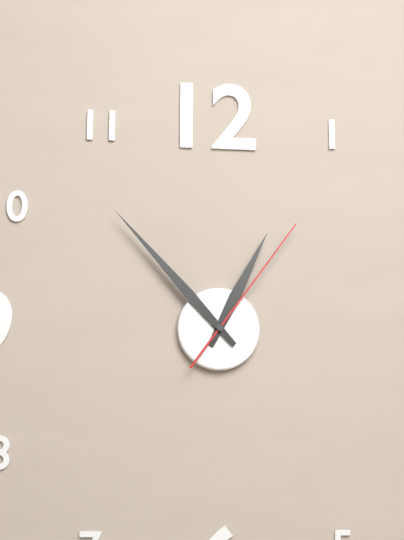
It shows {"hour": 12, "minute": 53, "second": 6}
